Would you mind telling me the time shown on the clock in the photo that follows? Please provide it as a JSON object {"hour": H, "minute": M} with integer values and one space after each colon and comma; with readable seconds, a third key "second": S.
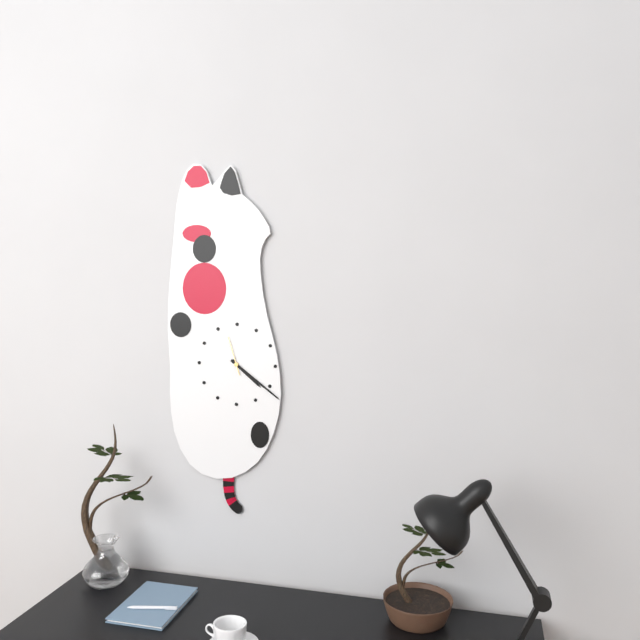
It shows {"hour": 4, "minute": 21}
